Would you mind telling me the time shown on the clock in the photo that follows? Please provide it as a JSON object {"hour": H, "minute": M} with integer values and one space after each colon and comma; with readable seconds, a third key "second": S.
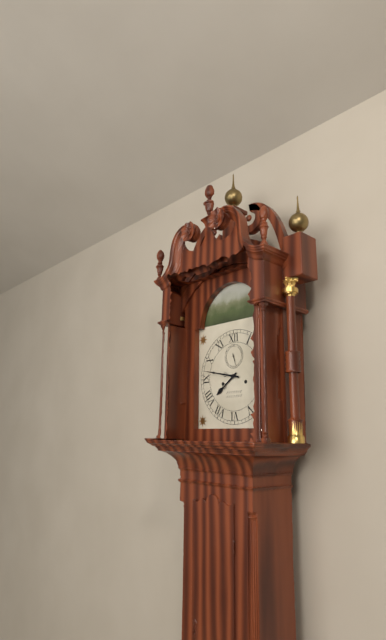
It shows {"hour": 7, "minute": 47}
